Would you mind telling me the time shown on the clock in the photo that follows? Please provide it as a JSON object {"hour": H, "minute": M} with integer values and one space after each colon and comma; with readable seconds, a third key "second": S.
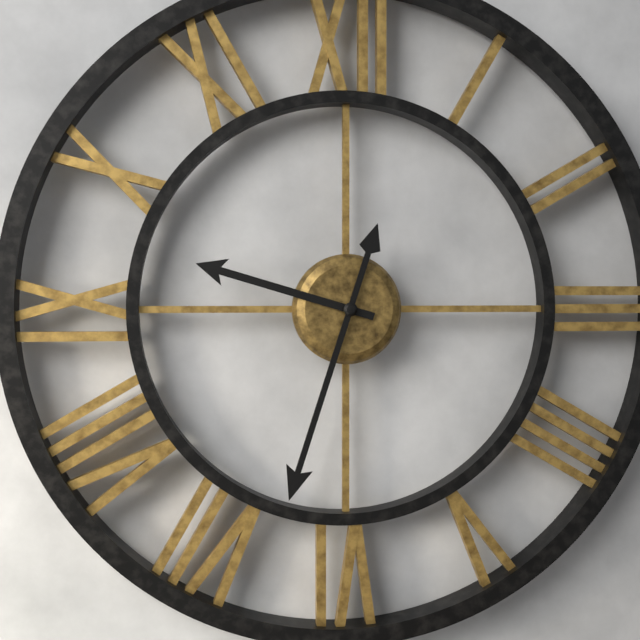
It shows {"hour": 9, "minute": 33}
